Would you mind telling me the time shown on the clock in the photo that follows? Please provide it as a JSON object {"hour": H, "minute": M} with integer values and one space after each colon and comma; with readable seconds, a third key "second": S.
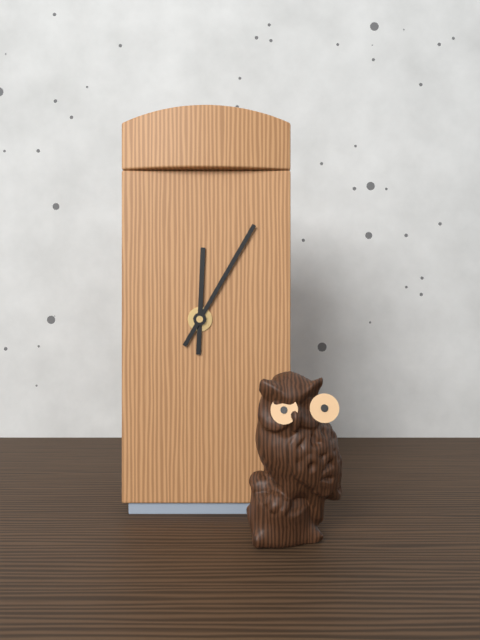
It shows {"hour": 12, "minute": 5}
